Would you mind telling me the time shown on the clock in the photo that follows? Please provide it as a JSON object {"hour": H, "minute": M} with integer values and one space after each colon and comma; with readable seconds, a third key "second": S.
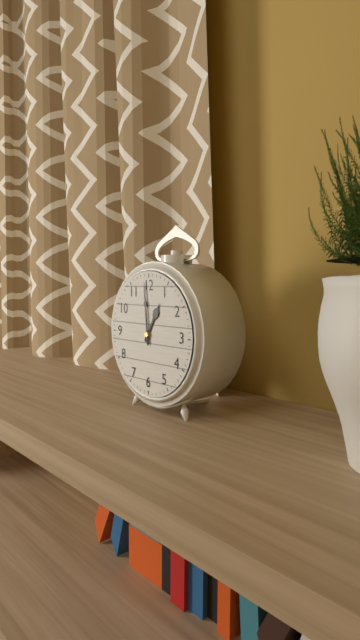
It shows {"hour": 12, "minute": 59}
